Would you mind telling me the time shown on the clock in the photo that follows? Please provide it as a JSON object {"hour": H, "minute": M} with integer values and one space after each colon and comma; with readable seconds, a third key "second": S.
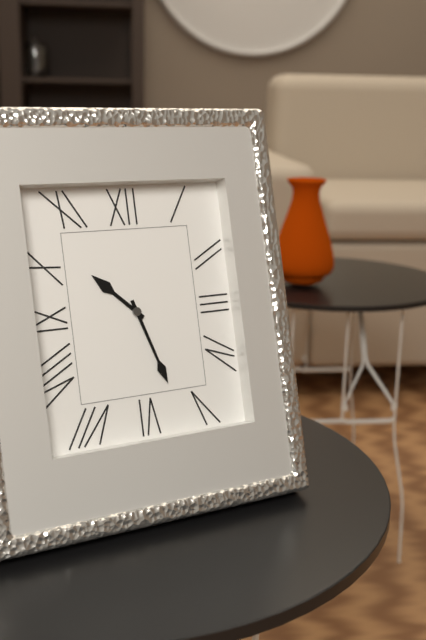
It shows {"hour": 10, "minute": 27}
